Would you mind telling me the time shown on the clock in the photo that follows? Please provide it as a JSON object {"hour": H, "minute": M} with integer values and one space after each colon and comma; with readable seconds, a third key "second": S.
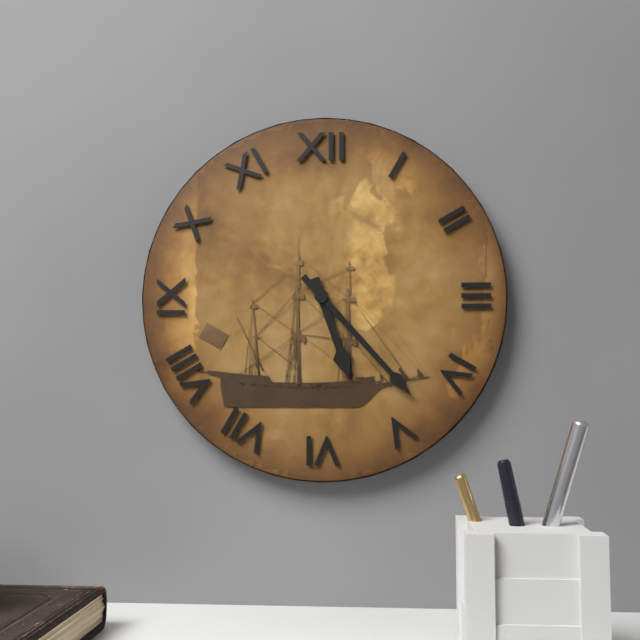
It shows {"hour": 5, "minute": 23}
